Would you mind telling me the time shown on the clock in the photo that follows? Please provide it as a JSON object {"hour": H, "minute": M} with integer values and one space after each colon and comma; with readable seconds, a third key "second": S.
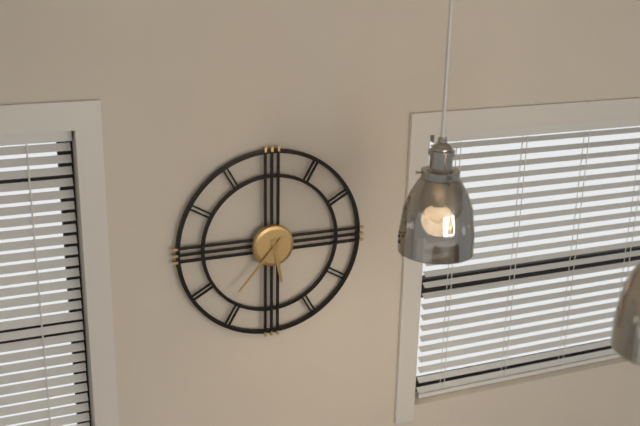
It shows {"hour": 5, "minute": 37}
